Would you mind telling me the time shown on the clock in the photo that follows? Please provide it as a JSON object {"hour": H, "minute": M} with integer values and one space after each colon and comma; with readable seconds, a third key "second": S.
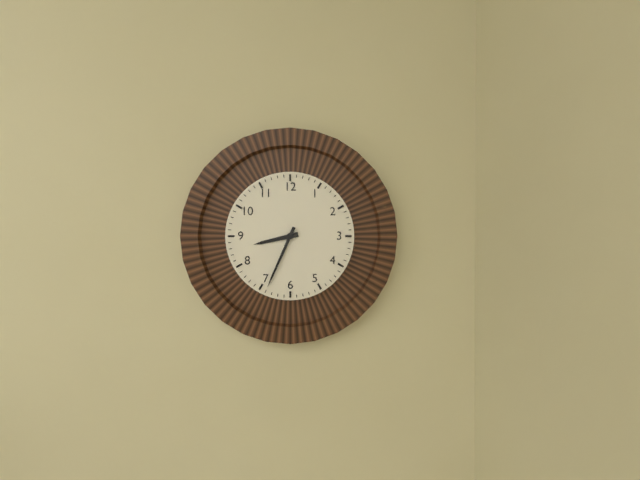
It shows {"hour": 8, "minute": 34}
